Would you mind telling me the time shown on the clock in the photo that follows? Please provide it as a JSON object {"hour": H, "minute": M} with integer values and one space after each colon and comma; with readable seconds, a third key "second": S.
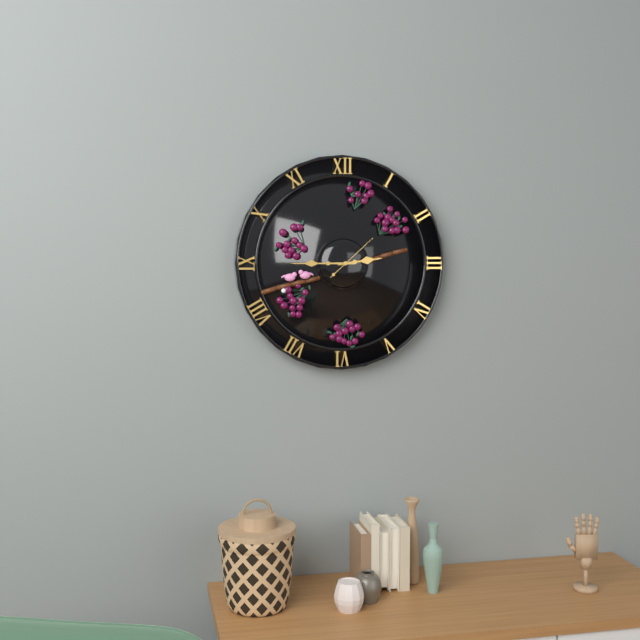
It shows {"hour": 2, "minute": 45}
